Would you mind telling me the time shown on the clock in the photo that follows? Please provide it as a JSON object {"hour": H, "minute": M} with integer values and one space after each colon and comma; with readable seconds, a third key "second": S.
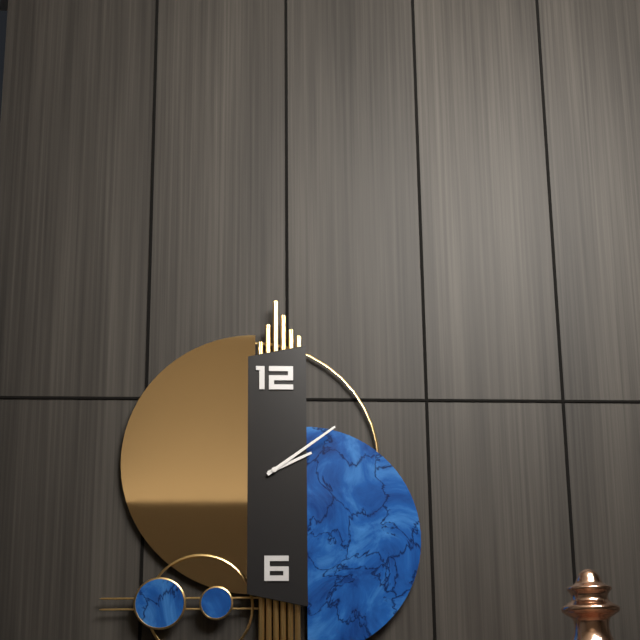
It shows {"hour": 2, "minute": 9}
